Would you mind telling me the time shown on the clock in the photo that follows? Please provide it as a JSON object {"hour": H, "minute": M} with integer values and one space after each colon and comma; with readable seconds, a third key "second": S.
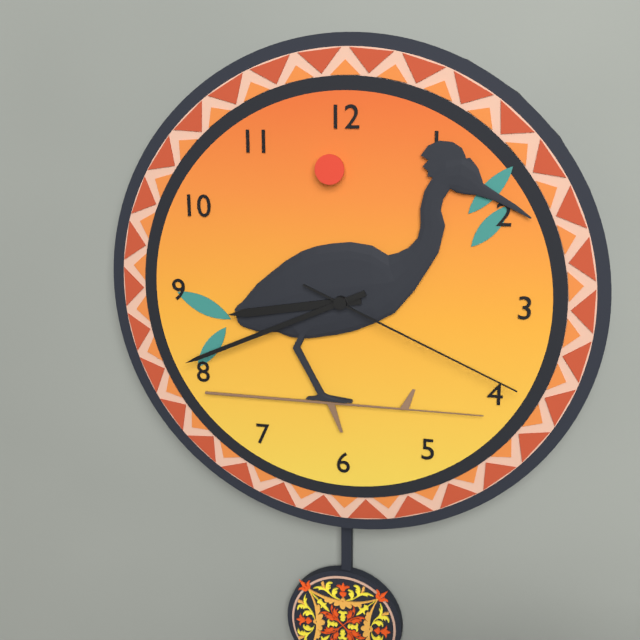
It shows {"hour": 8, "minute": 41, "second": 19}
